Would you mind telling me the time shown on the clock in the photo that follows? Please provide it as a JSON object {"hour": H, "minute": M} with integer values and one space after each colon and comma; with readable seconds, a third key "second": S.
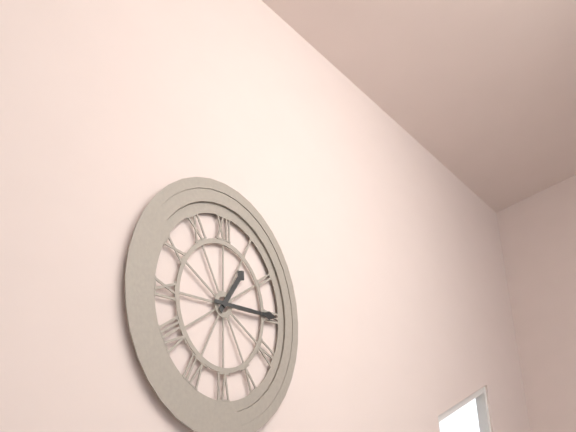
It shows {"hour": 1, "minute": 15}
